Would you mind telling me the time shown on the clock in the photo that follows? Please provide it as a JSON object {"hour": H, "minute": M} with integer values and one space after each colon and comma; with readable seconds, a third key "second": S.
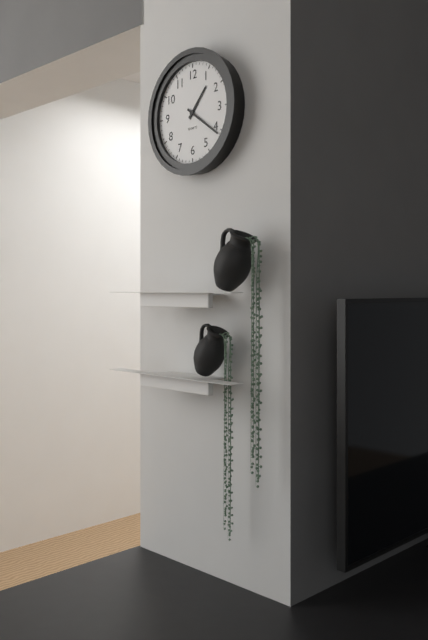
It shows {"hour": 1, "minute": 21}
